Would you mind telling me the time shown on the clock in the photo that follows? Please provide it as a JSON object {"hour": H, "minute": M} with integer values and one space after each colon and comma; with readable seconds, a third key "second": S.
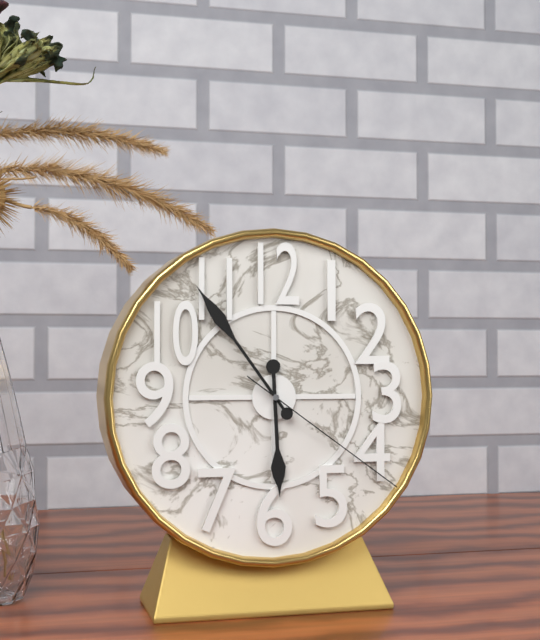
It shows {"hour": 5, "minute": 54, "second": 21}
